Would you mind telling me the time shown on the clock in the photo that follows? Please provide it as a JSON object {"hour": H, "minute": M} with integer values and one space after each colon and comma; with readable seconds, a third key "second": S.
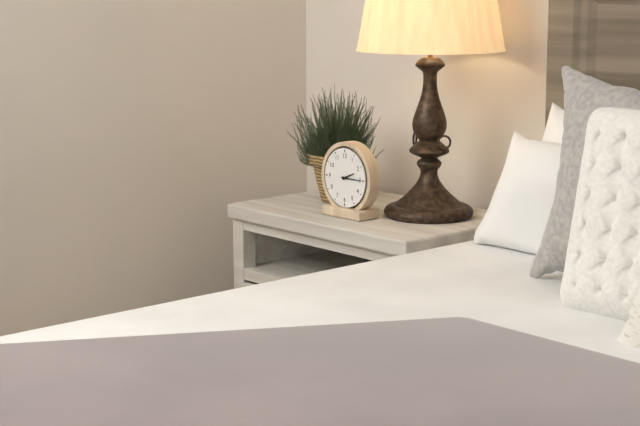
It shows {"hour": 2, "minute": 15}
